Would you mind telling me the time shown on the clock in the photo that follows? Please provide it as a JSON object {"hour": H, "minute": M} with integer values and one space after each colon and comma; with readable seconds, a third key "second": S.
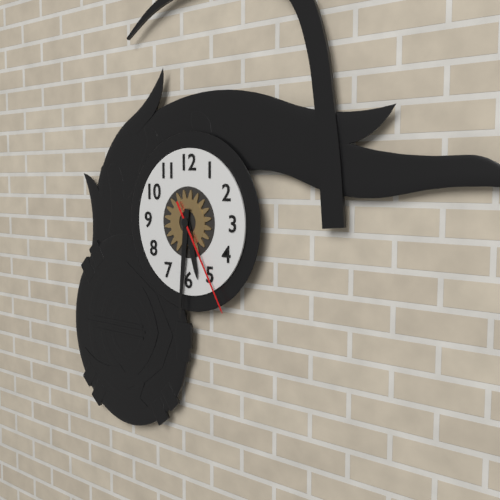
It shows {"hour": 5, "minute": 31, "second": 25}
